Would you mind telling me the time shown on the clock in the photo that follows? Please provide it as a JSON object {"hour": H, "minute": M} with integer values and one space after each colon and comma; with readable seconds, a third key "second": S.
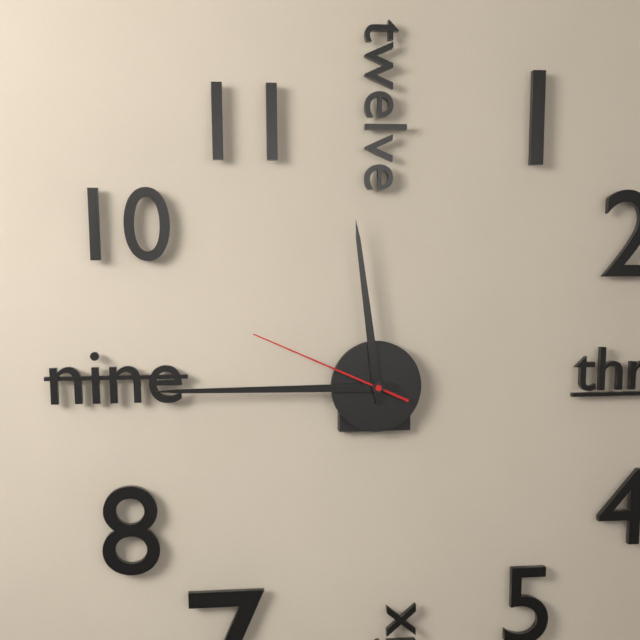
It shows {"hour": 11, "minute": 45, "second": 49}
